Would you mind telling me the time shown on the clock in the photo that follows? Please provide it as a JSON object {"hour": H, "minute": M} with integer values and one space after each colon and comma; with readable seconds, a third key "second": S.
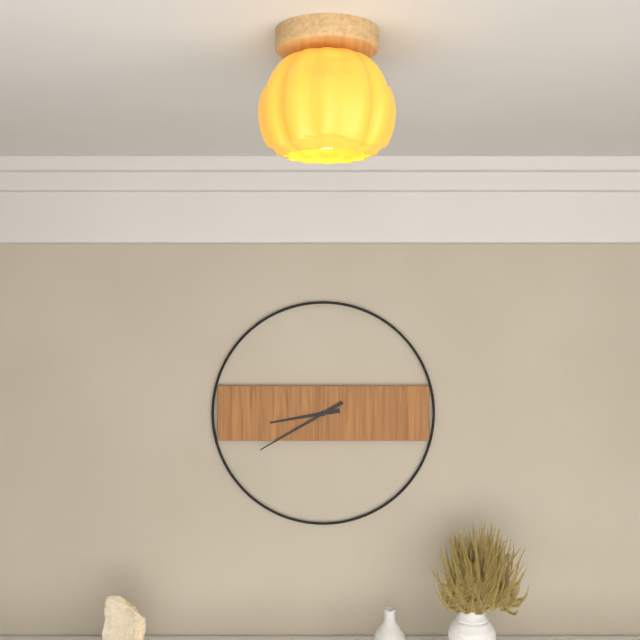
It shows {"hour": 8, "minute": 40}
